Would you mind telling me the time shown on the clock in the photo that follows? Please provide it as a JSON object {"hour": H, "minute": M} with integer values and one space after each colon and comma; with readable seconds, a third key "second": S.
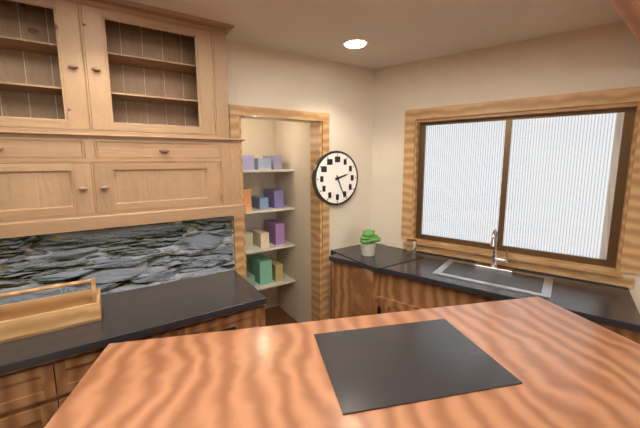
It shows {"hour": 2, "minute": 26}
